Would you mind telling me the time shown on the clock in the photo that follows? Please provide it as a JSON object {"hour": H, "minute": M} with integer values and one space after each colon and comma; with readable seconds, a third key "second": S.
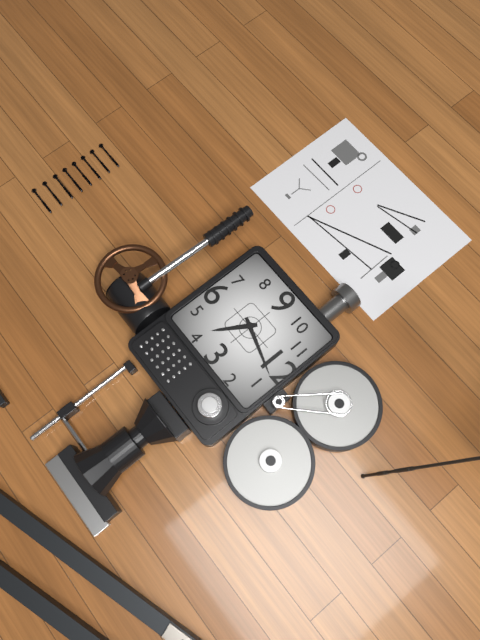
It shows {"hour": 4, "minute": 3}
